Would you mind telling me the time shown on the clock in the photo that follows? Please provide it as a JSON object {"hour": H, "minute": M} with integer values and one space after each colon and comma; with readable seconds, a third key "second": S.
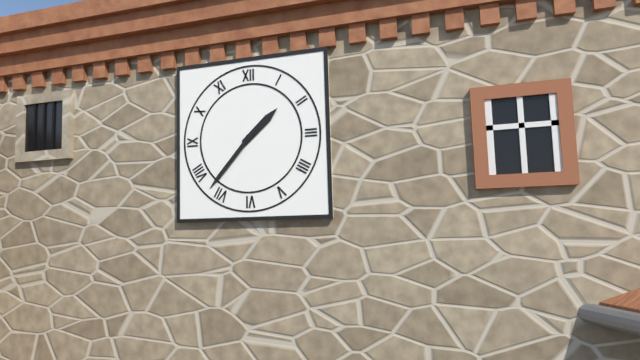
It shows {"hour": 1, "minute": 37}
